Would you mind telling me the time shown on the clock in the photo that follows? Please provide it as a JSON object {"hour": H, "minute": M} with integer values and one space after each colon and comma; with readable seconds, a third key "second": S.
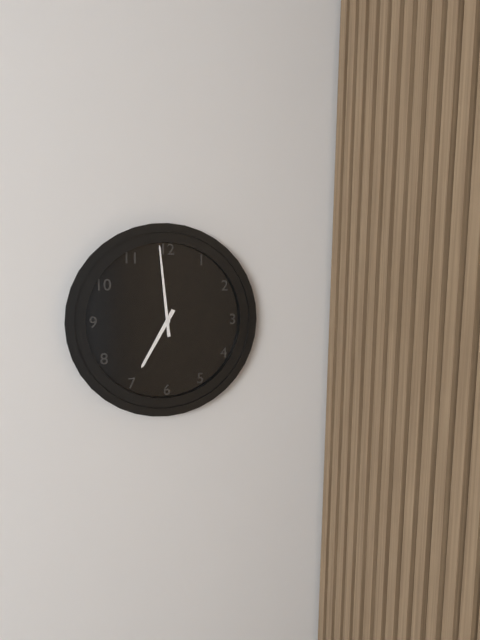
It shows {"hour": 6, "minute": 59}
